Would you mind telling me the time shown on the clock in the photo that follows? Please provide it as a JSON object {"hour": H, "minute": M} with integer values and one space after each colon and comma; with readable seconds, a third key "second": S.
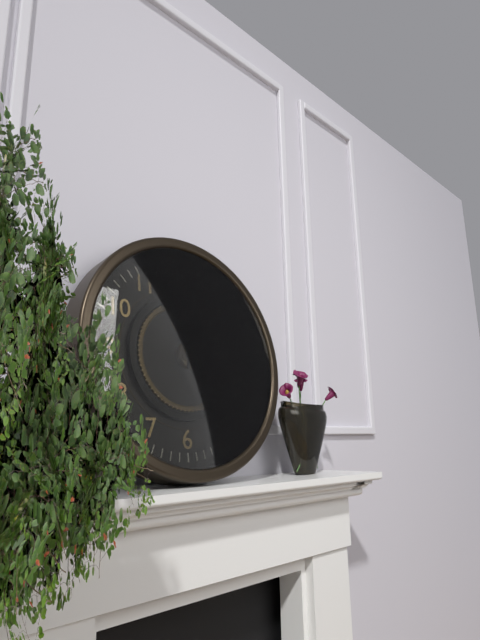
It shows {"hour": 12, "minute": 27}
